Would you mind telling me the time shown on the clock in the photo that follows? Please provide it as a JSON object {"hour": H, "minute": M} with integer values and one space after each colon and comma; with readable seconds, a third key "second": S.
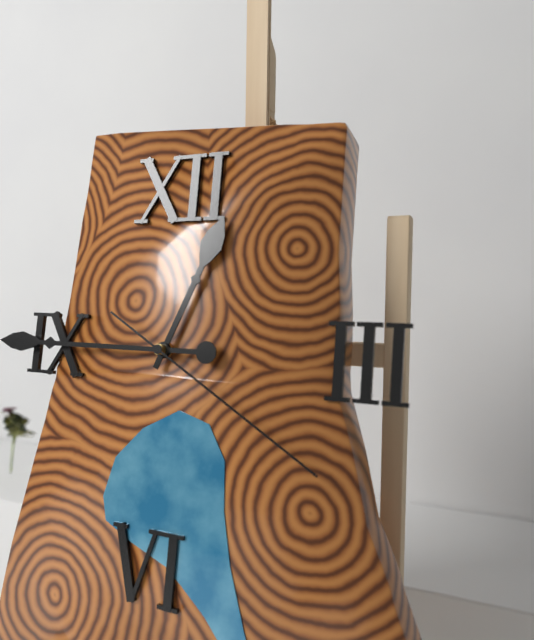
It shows {"hour": 12, "minute": 45, "second": 20}
